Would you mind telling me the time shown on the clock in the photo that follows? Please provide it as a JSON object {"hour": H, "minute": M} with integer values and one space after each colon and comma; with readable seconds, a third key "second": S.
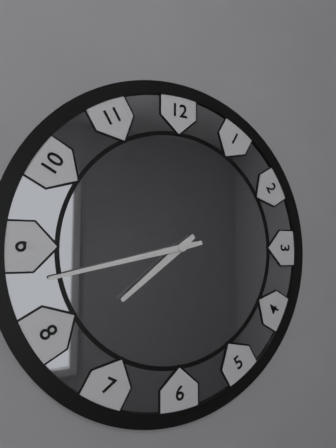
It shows {"hour": 7, "minute": 43}
